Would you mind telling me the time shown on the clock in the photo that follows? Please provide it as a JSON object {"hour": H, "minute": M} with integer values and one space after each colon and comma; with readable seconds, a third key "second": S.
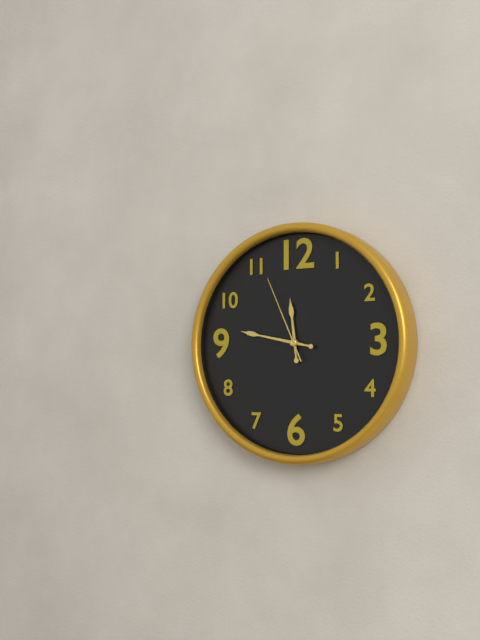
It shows {"hour": 11, "minute": 47, "second": 56}
